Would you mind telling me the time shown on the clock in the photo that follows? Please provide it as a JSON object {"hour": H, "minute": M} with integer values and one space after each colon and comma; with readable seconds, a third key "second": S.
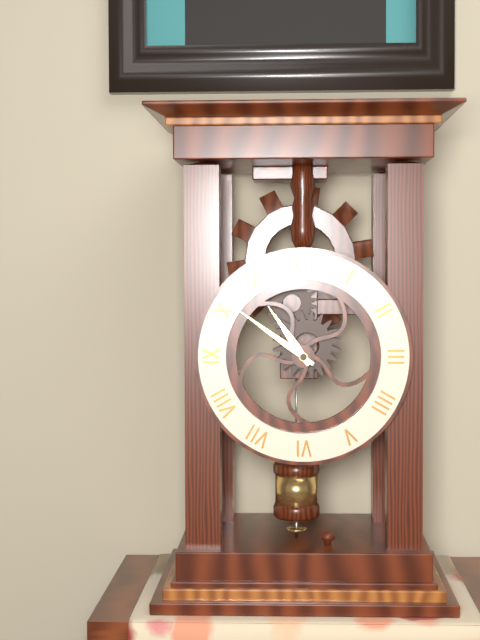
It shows {"hour": 10, "minute": 51}
